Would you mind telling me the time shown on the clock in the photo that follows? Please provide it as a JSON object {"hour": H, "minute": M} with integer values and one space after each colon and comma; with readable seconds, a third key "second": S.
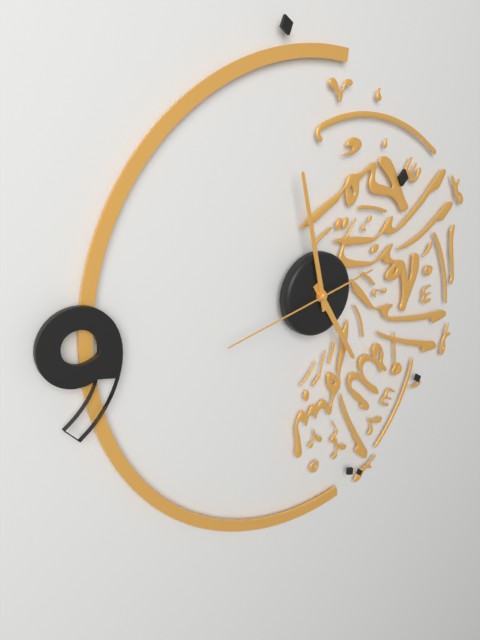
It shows {"hour": 4, "minute": 58, "second": 43}
